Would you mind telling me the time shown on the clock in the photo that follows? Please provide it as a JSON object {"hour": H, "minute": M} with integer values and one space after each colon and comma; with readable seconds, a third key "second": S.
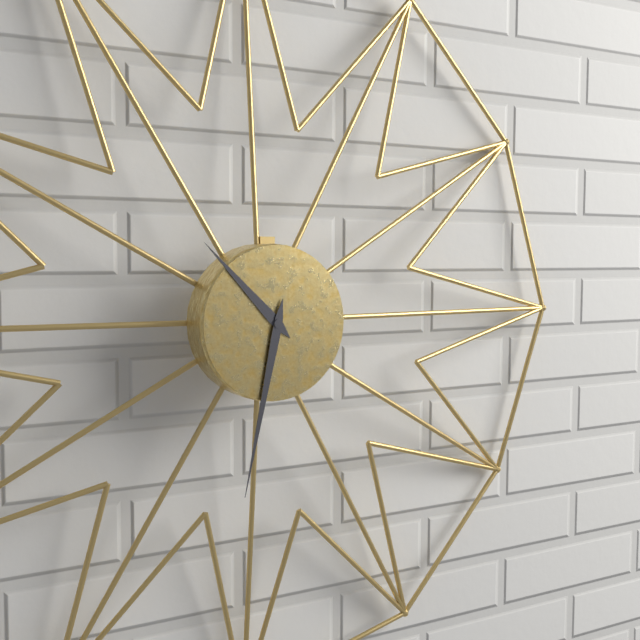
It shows {"hour": 10, "minute": 32}
